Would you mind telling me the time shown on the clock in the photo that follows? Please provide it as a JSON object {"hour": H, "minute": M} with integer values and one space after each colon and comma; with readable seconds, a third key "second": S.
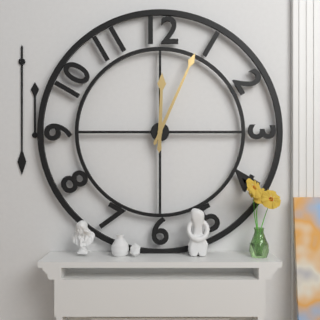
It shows {"hour": 12, "minute": 4}
